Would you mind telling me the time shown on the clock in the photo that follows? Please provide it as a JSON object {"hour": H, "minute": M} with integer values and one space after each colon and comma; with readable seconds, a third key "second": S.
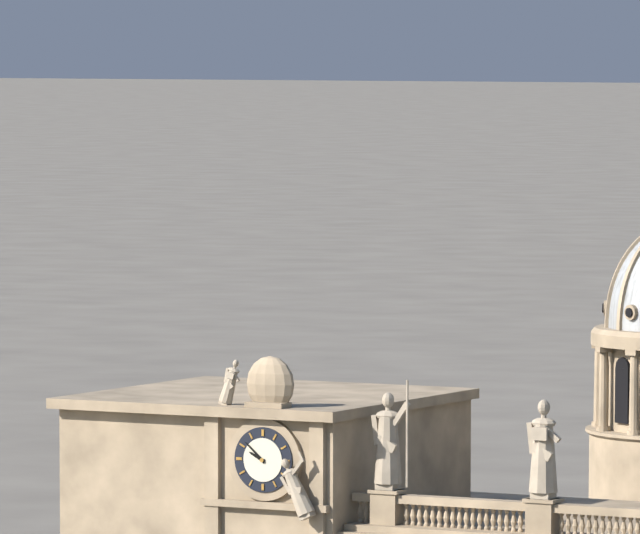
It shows {"hour": 9, "minute": 52}
